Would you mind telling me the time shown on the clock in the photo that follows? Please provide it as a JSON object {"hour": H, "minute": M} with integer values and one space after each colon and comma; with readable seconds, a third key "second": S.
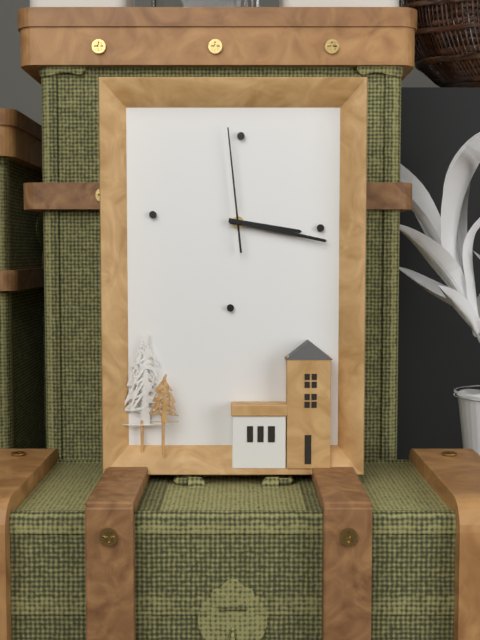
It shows {"hour": 3, "minute": 17, "second": 59}
